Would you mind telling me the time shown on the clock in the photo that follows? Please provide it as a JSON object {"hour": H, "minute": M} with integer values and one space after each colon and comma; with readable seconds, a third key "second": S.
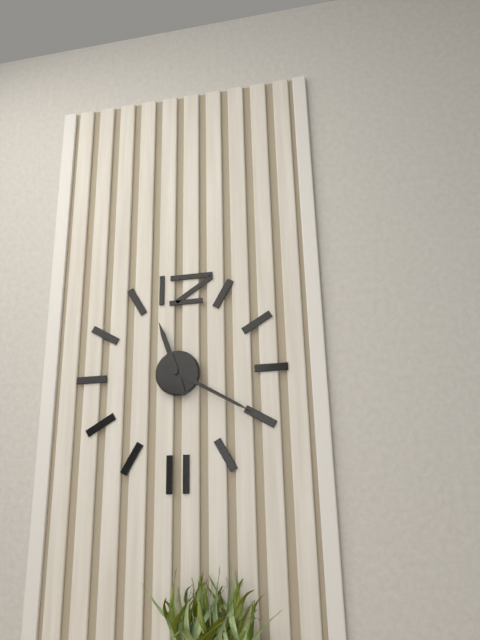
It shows {"hour": 11, "minute": 20}
